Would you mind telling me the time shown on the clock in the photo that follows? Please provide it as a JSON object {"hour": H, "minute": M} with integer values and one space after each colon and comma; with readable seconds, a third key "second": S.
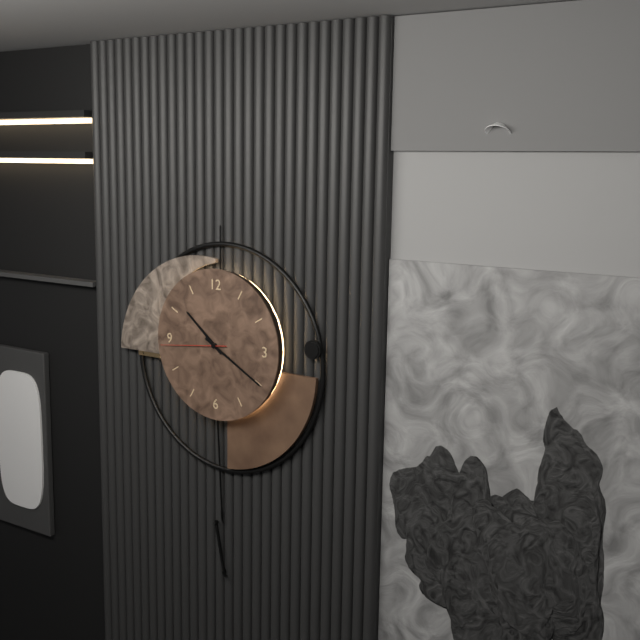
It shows {"hour": 10, "minute": 20, "second": 44}
